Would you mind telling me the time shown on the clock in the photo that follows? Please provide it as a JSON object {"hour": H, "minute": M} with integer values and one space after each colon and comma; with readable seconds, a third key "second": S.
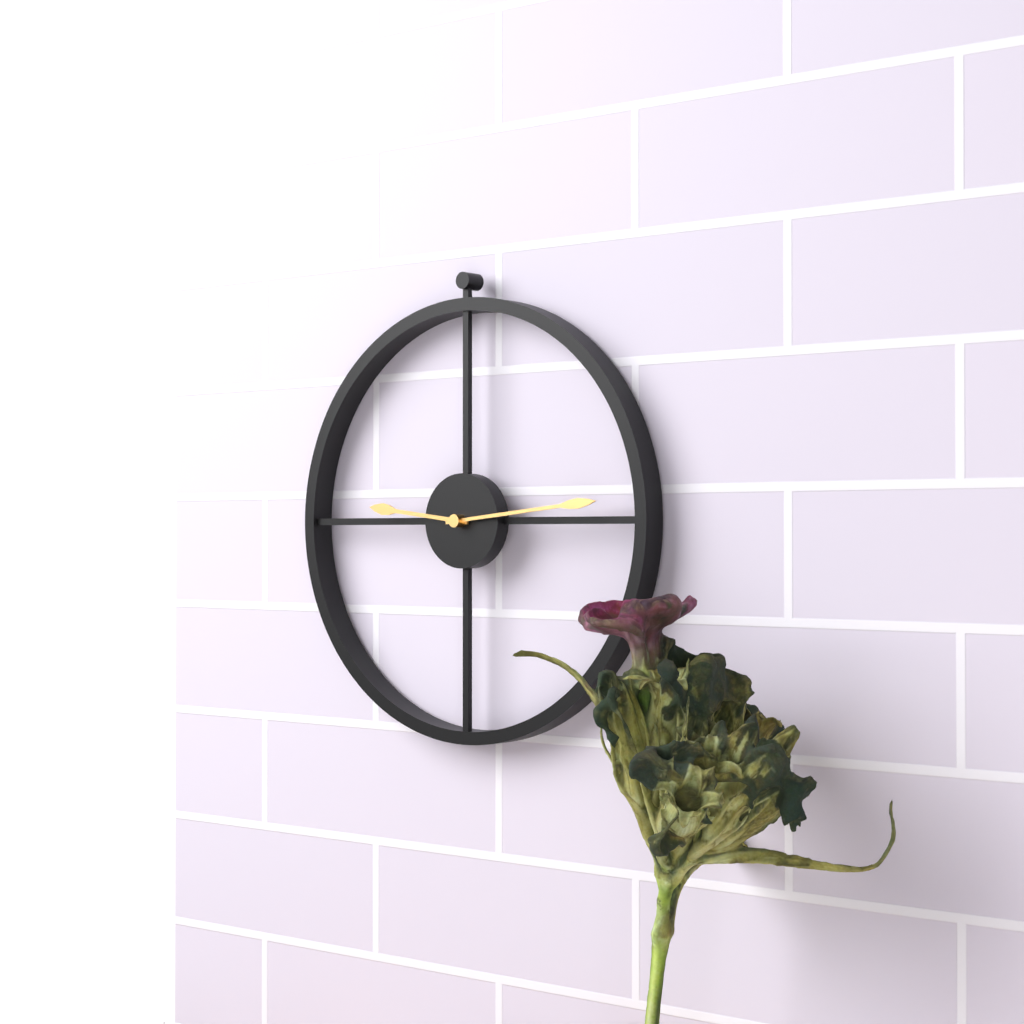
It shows {"hour": 9, "minute": 14}
